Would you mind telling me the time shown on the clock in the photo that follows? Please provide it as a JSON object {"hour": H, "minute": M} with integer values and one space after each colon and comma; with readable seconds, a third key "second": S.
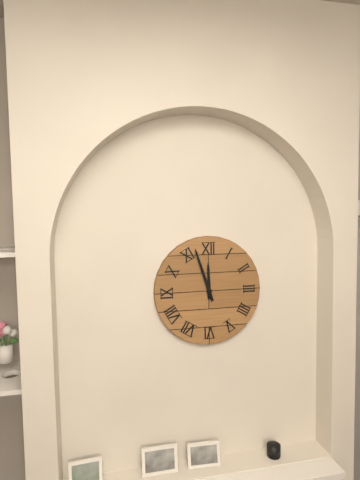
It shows {"hour": 11, "minute": 57}
